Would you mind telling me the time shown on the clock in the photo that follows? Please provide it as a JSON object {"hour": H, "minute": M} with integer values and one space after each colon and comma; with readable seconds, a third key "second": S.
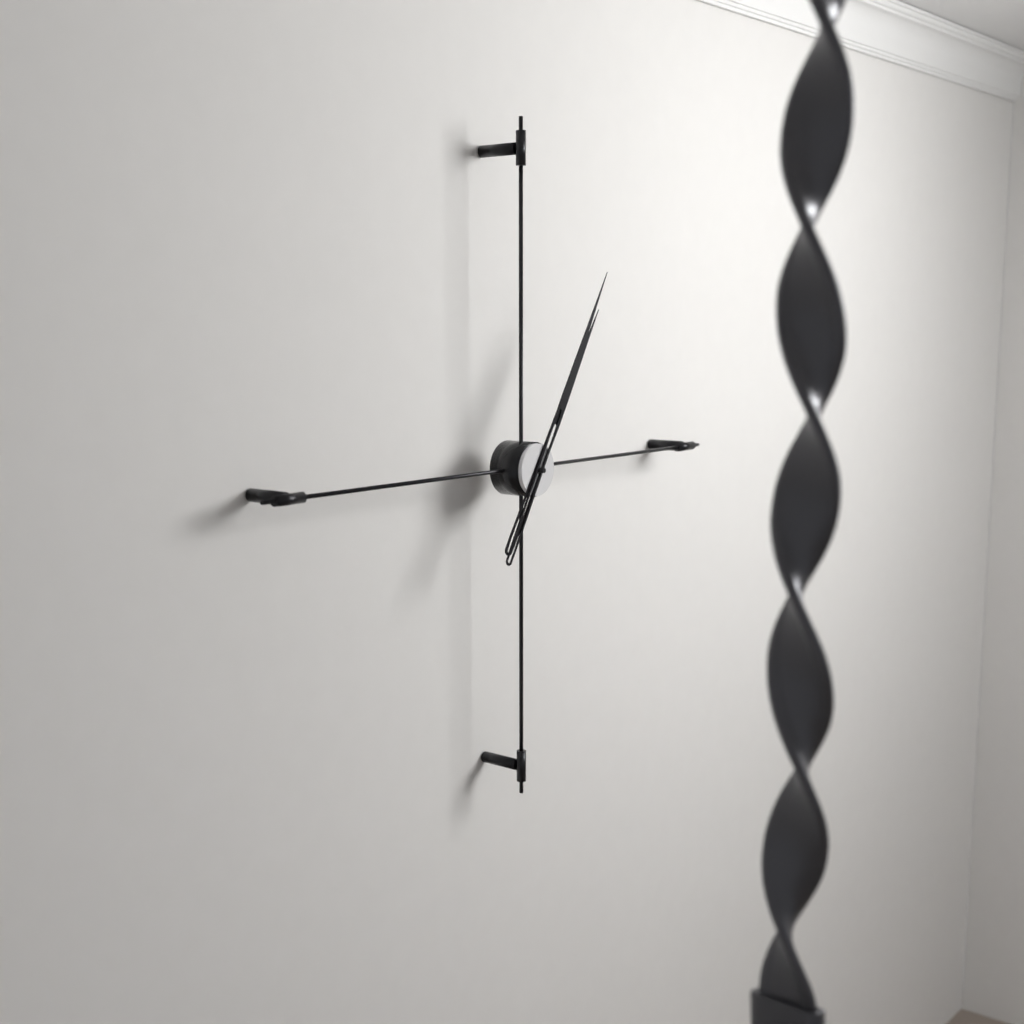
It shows {"hour": 1, "minute": 5}
